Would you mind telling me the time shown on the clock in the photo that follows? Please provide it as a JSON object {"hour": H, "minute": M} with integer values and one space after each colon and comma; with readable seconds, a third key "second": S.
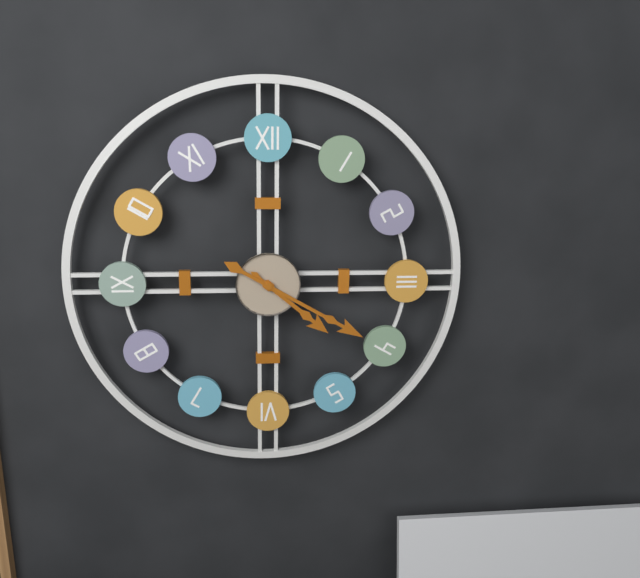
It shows {"hour": 4, "minute": 20}
